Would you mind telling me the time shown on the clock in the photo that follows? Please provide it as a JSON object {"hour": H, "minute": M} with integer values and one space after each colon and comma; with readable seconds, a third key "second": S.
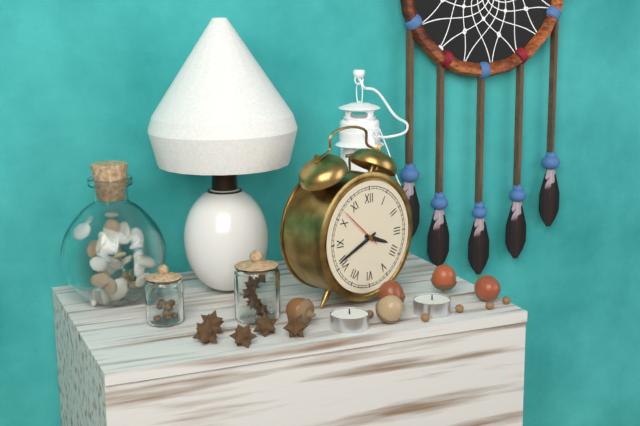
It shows {"hour": 3, "minute": 41}
